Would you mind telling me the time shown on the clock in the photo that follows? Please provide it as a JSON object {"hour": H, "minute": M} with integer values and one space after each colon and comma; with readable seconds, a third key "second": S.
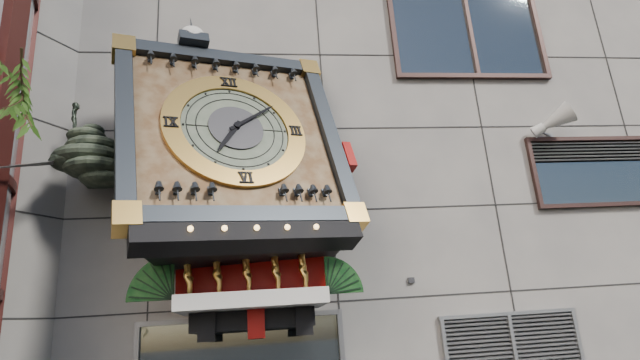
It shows {"hour": 7, "minute": 9}
